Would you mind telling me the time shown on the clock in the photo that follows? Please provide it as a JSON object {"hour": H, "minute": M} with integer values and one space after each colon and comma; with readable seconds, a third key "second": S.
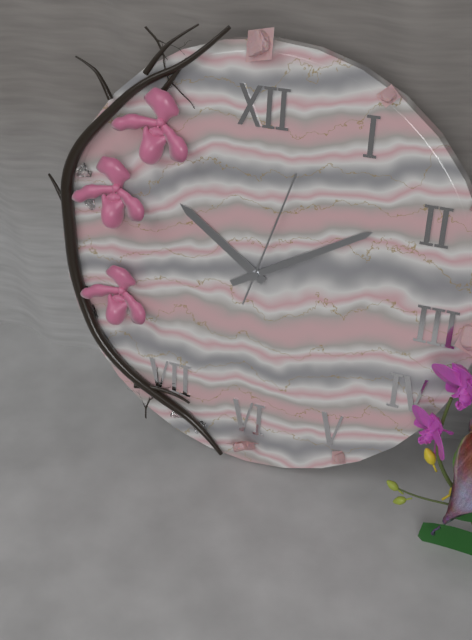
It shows {"hour": 10, "minute": 10, "second": 3}
